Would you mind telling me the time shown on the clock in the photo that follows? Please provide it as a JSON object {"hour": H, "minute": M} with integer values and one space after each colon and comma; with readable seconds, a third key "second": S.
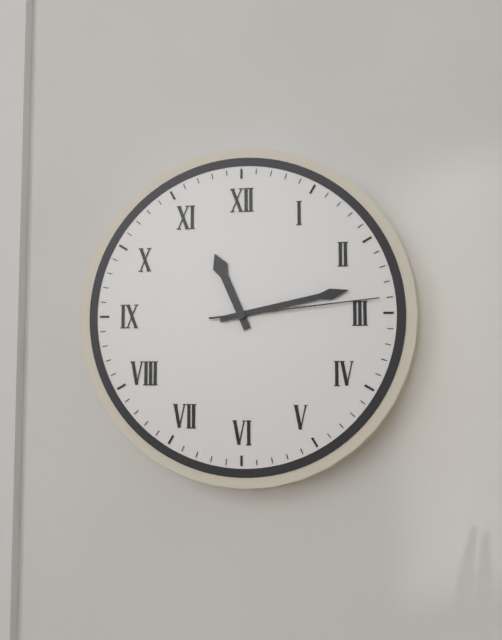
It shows {"hour": 11, "minute": 13, "second": 14}
